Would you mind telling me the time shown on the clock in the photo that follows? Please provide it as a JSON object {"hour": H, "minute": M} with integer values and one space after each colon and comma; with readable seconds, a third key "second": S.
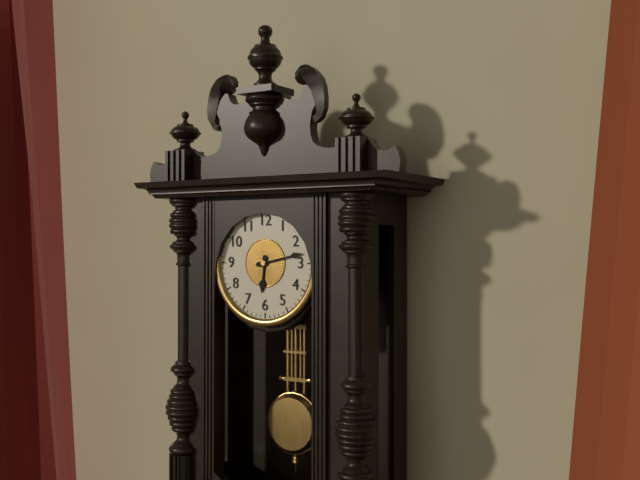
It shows {"hour": 6, "minute": 13}
